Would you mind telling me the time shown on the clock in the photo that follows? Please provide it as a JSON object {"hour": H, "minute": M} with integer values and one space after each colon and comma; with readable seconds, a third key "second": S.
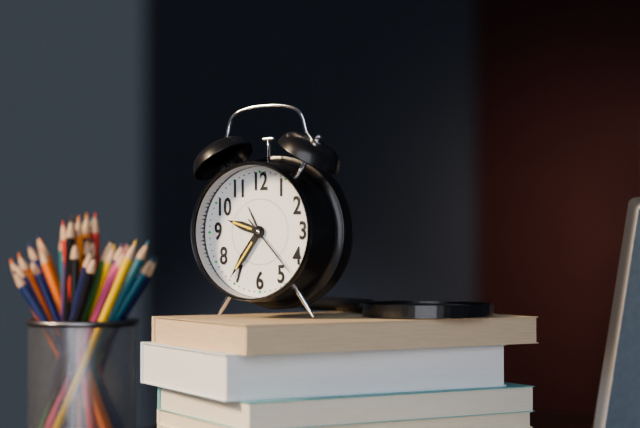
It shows {"hour": 9, "minute": 36, "second": 23}
